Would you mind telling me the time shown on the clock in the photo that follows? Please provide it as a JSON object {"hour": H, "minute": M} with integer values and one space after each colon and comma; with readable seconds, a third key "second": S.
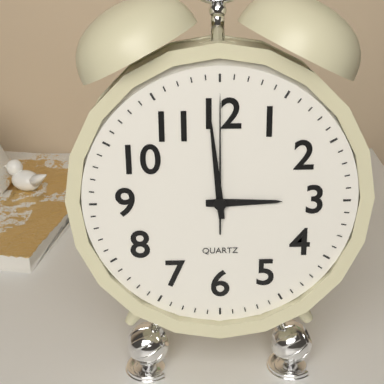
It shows {"hour": 2, "minute": 59, "second": 0}
